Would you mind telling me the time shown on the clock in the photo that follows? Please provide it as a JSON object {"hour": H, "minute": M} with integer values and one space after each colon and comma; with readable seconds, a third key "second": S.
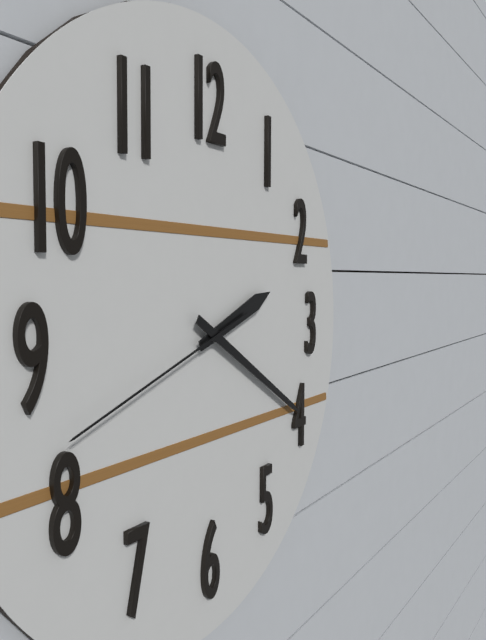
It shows {"hour": 2, "minute": 20, "second": 42}
